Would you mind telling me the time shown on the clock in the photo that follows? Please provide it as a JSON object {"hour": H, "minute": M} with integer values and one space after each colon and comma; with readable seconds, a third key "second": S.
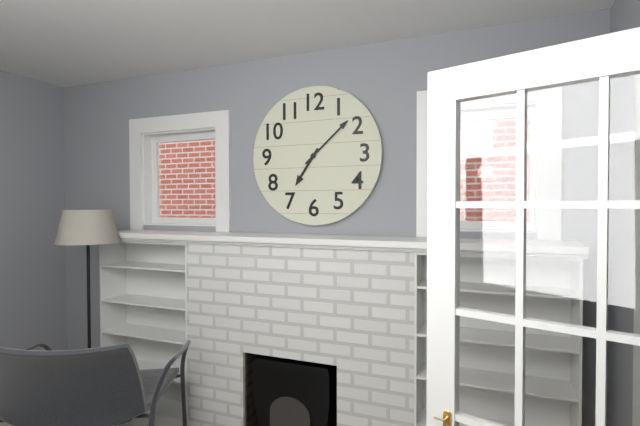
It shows {"hour": 7, "minute": 8}
